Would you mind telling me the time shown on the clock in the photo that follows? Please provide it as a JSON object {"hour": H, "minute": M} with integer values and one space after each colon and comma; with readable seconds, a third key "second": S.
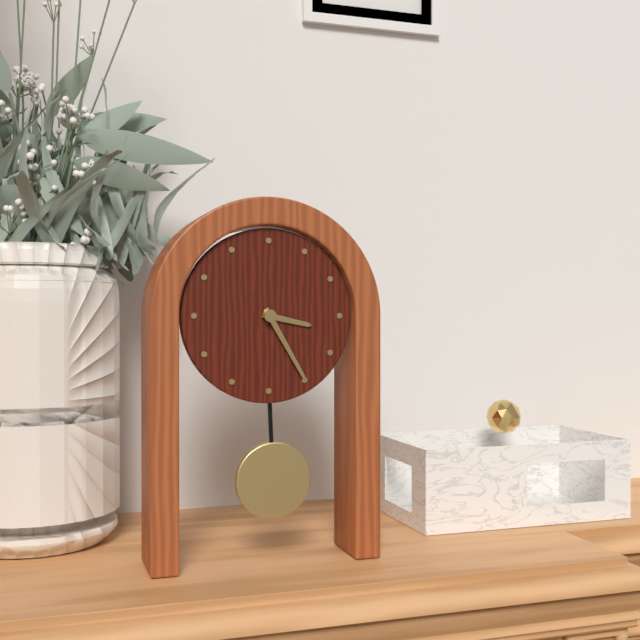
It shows {"hour": 3, "minute": 25}
